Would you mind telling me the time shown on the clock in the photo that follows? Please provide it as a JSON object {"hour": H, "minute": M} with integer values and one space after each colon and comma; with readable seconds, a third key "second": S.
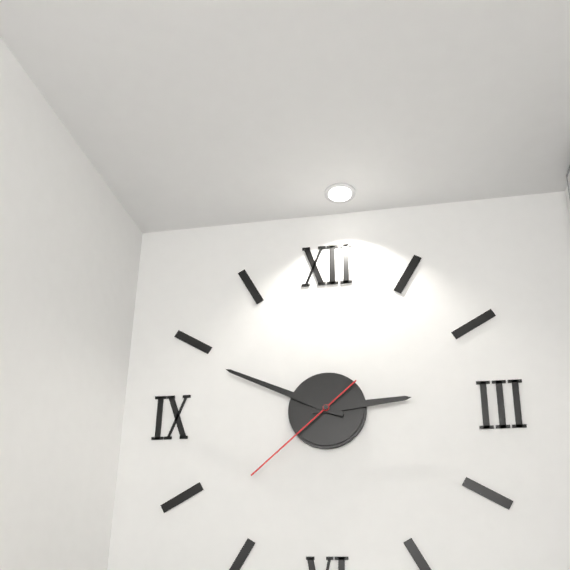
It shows {"hour": 2, "minute": 49, "second": 38}
